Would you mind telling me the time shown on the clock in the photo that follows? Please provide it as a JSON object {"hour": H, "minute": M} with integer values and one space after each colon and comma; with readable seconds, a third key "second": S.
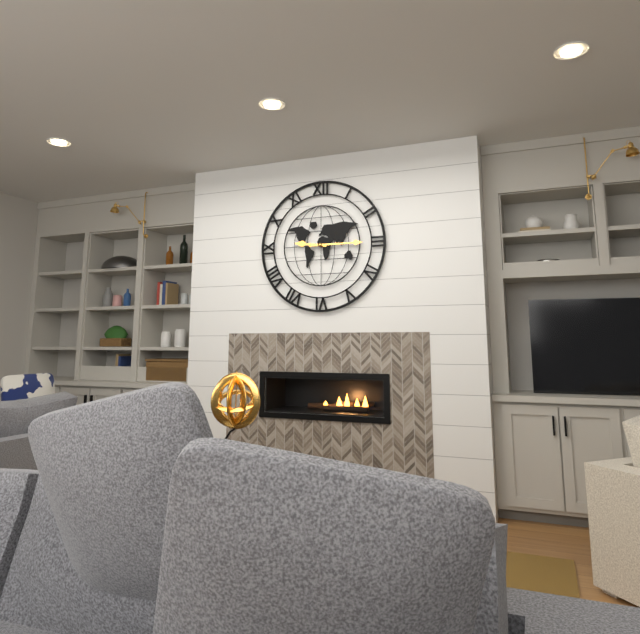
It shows {"hour": 9, "minute": 15}
